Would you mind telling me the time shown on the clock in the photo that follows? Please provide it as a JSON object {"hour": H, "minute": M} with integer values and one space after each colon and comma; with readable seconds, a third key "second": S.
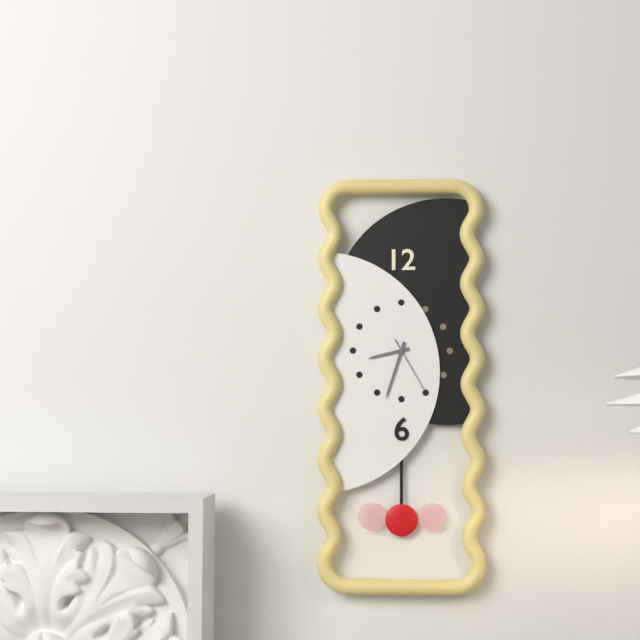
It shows {"hour": 8, "minute": 33, "second": 25}
